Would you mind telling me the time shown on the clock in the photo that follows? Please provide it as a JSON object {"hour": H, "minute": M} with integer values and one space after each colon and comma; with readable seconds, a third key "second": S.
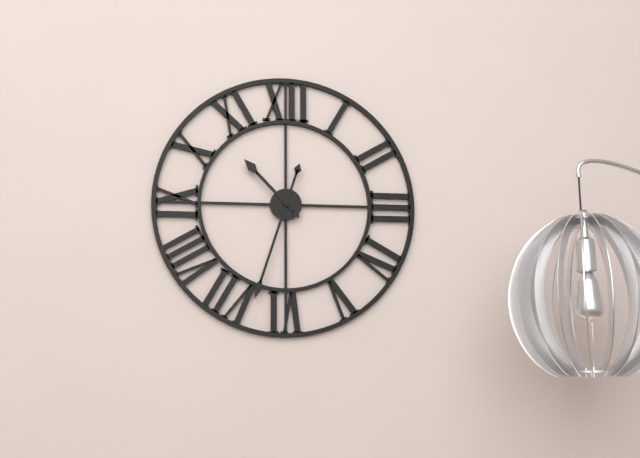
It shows {"hour": 10, "minute": 33}
